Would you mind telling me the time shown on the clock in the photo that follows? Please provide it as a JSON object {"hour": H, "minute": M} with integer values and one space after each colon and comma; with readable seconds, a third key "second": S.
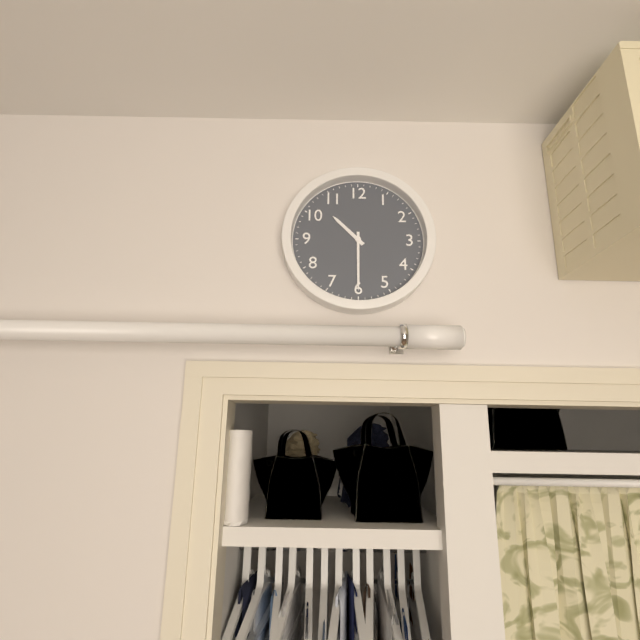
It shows {"hour": 10, "minute": 30}
